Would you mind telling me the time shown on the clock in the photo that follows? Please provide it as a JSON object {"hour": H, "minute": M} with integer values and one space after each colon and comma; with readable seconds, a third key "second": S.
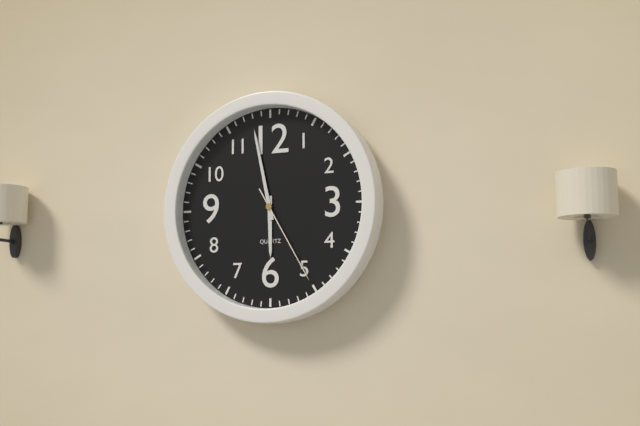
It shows {"hour": 5, "minute": 58, "second": 25}
